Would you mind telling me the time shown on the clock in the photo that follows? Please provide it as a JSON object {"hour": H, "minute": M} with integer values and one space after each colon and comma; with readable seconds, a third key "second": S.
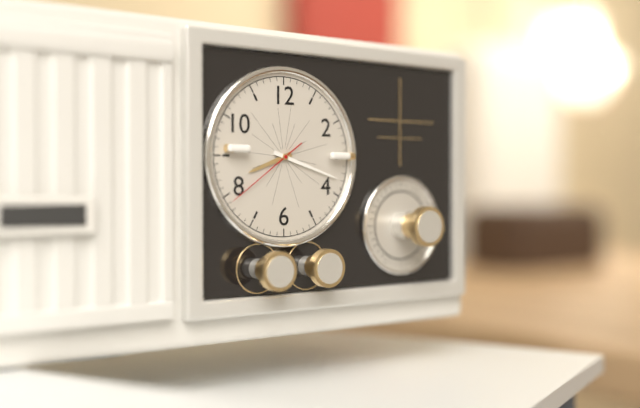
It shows {"hour": 8, "minute": 18, "second": 39}
